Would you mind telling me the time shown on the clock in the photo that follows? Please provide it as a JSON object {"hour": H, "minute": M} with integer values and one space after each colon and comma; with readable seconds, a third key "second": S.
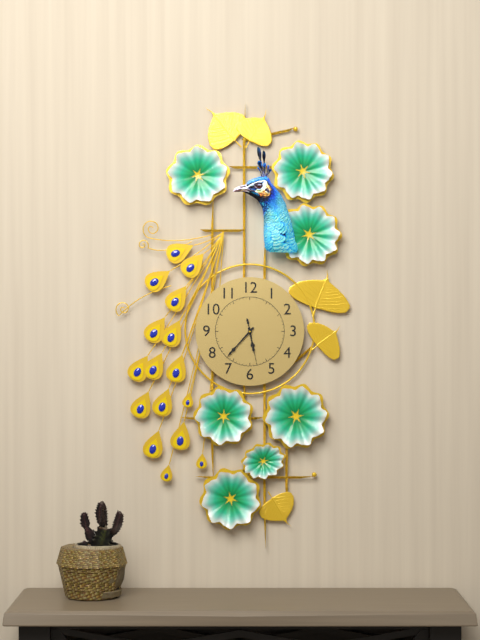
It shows {"hour": 5, "minute": 37}
